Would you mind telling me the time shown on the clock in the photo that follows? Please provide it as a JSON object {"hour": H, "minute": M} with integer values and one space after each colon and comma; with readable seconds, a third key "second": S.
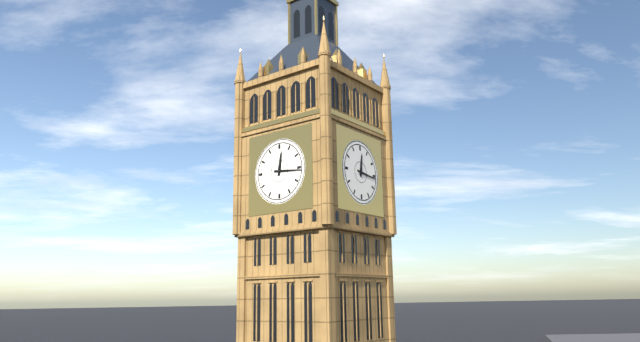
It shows {"hour": 12, "minute": 16}
